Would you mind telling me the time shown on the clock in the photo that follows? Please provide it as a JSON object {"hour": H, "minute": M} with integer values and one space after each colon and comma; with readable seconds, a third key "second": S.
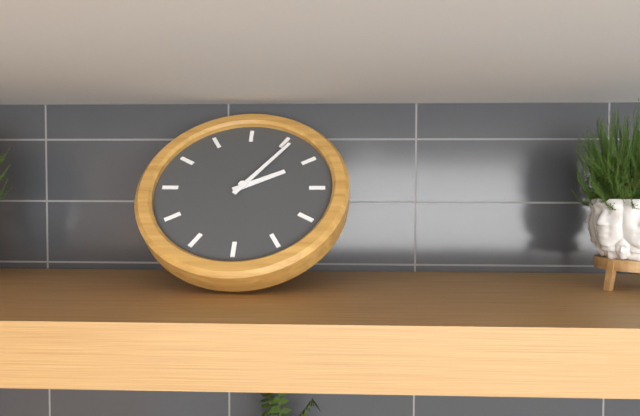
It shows {"hour": 2, "minute": 6}
